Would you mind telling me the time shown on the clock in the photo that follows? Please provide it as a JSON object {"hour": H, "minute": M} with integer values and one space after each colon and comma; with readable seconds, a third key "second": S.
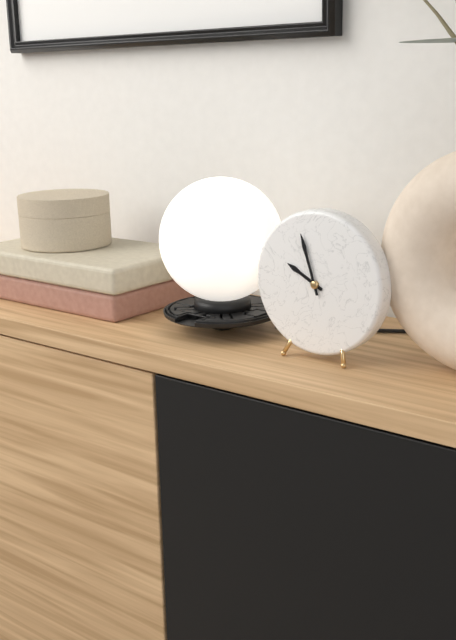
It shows {"hour": 9, "minute": 57}
